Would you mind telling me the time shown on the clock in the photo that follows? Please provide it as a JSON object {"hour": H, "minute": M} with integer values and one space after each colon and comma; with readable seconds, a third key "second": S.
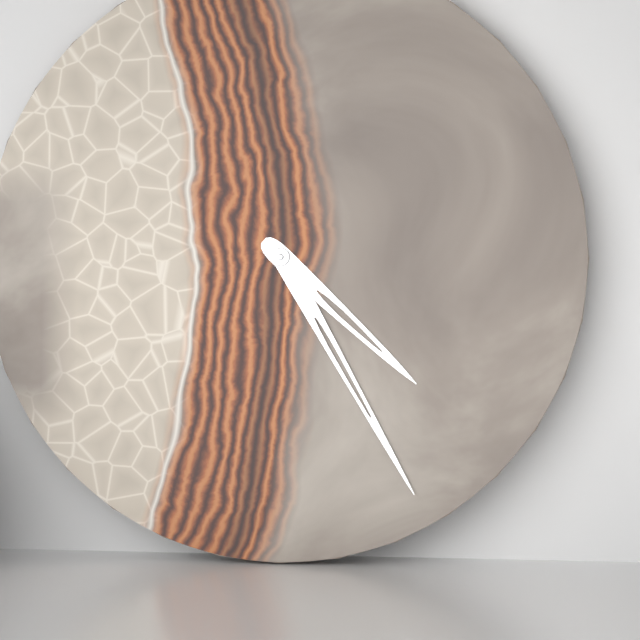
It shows {"hour": 4, "minute": 25}
